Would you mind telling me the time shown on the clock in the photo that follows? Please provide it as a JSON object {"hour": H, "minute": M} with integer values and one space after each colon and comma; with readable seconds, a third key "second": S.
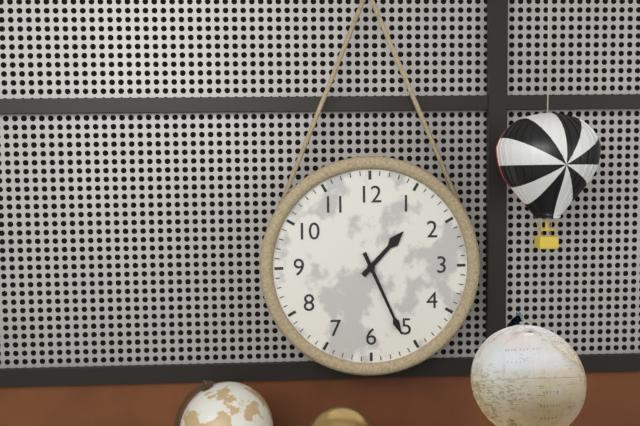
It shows {"hour": 1, "minute": 26}
